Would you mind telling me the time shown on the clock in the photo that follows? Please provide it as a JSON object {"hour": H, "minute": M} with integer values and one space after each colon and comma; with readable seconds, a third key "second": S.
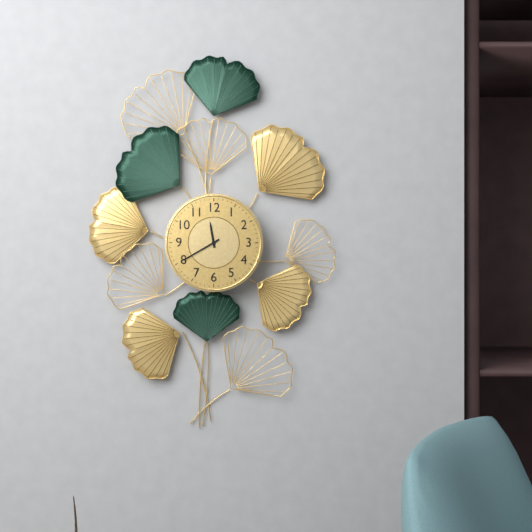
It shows {"hour": 11, "minute": 40}
